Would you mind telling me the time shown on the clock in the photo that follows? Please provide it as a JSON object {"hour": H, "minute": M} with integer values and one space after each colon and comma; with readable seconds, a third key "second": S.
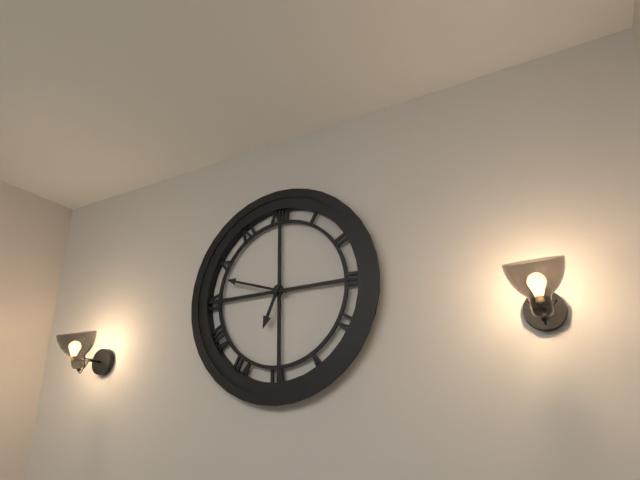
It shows {"hour": 6, "minute": 48}
